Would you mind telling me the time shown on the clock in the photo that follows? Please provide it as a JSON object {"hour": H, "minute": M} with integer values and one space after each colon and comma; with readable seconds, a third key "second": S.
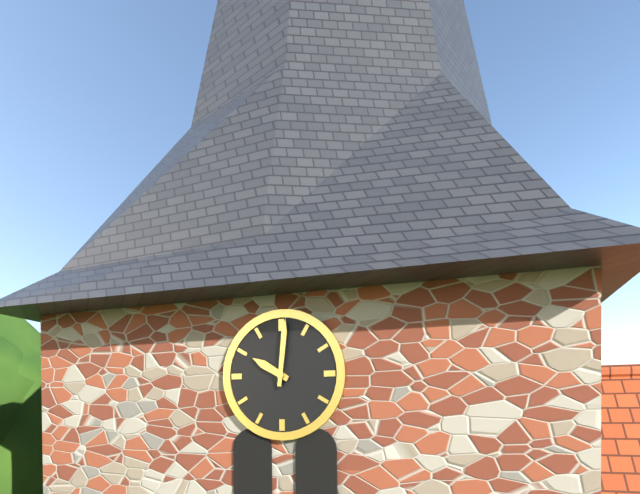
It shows {"hour": 10, "minute": 1}
